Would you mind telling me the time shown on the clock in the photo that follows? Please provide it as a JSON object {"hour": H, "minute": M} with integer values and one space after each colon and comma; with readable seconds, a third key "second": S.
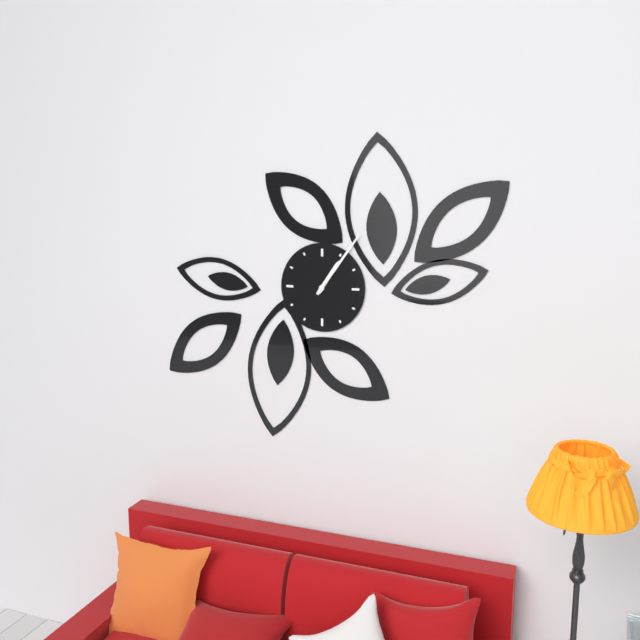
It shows {"hour": 1, "minute": 6}
